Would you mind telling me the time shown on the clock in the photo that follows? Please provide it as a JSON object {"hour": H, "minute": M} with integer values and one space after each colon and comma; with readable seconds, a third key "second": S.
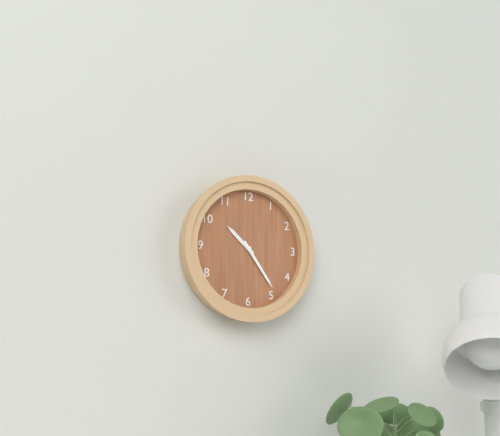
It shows {"hour": 10, "minute": 24}
